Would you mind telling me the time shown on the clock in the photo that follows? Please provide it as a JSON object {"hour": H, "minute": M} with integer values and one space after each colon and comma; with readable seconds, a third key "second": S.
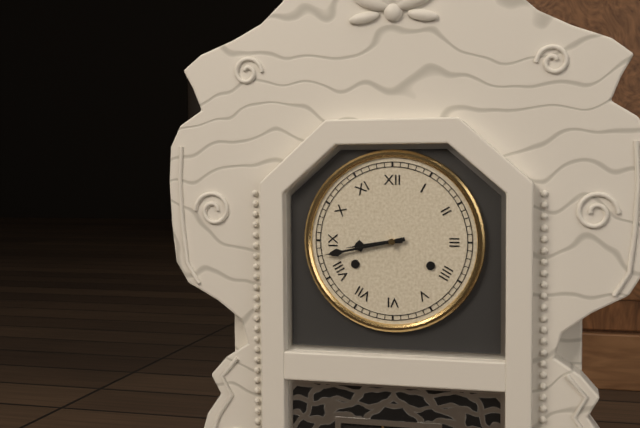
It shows {"hour": 8, "minute": 43}
